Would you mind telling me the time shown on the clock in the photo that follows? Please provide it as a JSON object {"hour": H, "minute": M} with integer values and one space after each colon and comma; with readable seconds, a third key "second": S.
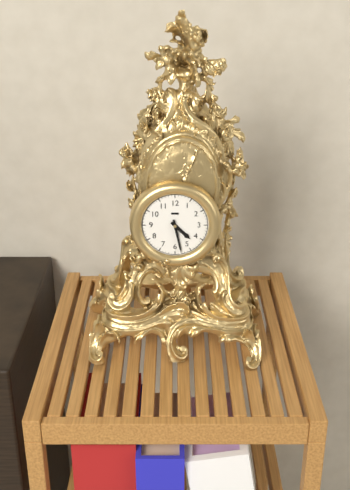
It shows {"hour": 4, "minute": 28}
